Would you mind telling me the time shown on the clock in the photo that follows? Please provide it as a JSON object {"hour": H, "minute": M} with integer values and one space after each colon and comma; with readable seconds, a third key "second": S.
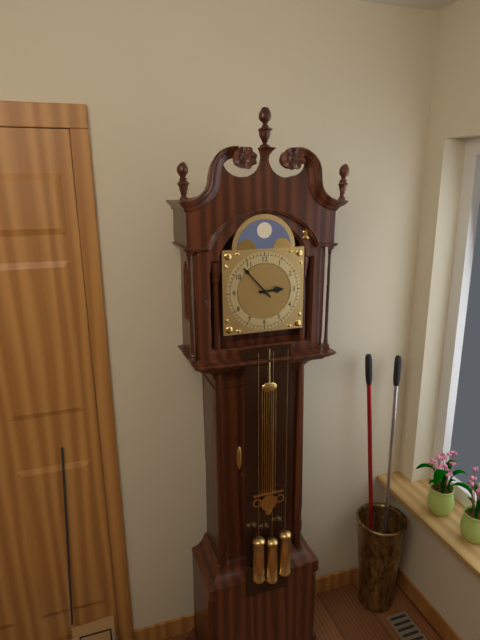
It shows {"hour": 2, "minute": 53}
